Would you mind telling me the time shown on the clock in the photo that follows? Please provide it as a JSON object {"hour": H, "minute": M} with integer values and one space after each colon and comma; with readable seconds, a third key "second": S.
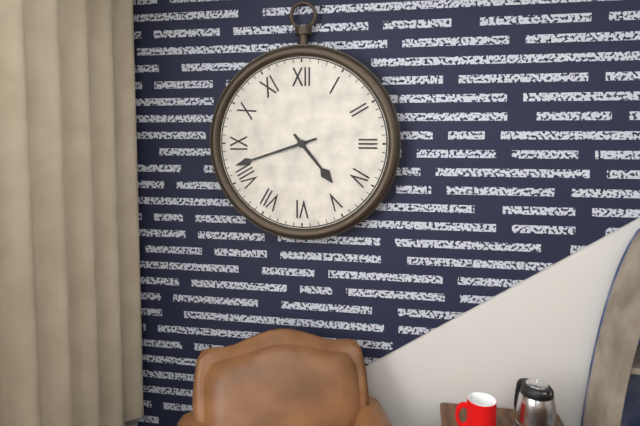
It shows {"hour": 4, "minute": 42}
